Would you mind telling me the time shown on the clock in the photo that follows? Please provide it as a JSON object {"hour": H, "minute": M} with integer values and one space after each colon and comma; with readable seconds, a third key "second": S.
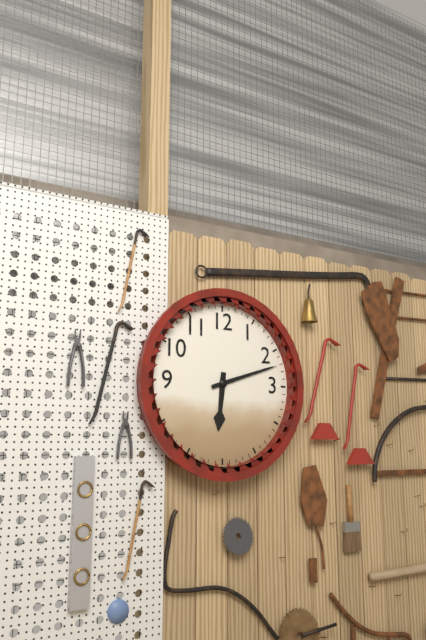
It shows {"hour": 6, "minute": 12}
